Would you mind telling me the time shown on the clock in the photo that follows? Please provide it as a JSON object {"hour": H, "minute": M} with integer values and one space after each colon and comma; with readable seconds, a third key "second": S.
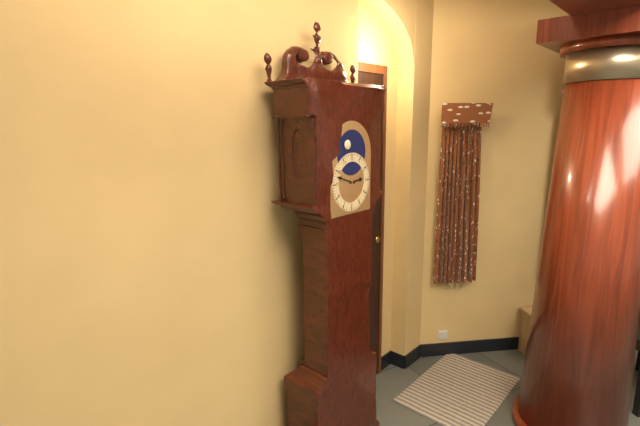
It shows {"hour": 2, "minute": 48}
